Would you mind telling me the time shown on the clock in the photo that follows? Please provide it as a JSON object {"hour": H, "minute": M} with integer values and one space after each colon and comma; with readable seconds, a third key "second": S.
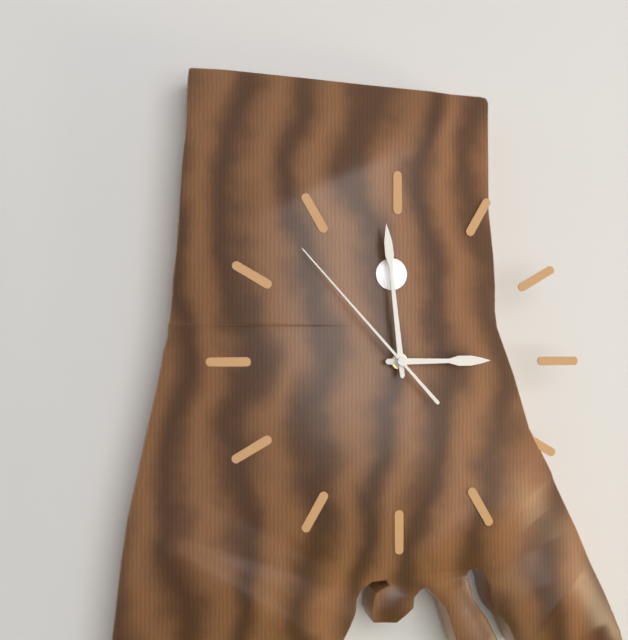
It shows {"hour": 2, "minute": 59, "second": 53}
